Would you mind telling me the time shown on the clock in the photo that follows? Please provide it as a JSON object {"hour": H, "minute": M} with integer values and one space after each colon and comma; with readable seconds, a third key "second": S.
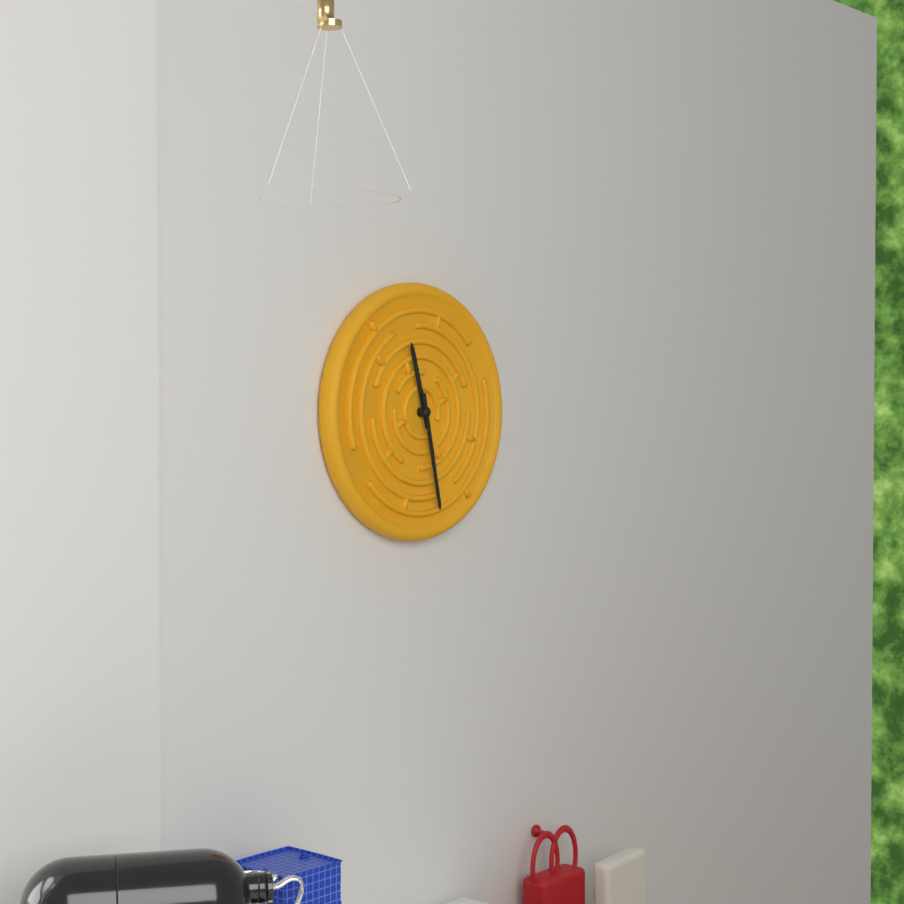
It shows {"hour": 11, "minute": 28}
